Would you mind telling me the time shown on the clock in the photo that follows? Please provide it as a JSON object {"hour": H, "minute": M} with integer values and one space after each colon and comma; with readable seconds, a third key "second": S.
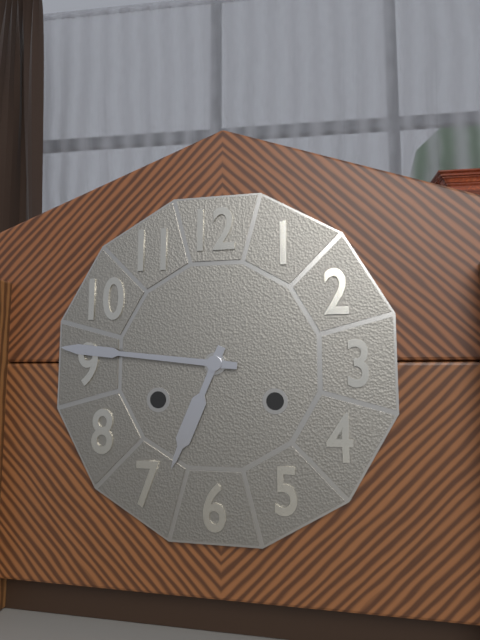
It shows {"hour": 6, "minute": 46}
